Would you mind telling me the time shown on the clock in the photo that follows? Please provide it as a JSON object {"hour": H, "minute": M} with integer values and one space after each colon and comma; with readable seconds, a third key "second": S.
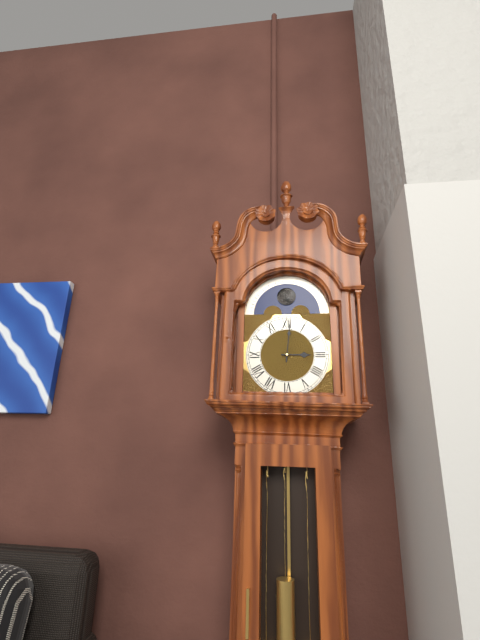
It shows {"hour": 3, "minute": 1}
